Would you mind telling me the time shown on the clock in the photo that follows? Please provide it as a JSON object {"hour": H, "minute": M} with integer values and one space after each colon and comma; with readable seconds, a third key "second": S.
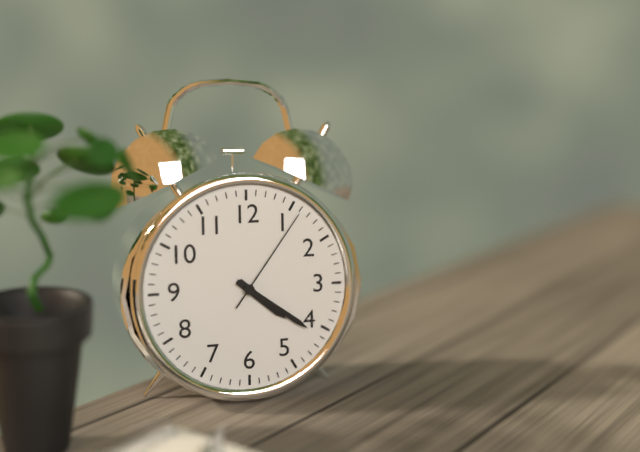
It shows {"hour": 4, "minute": 21, "second": 6}
